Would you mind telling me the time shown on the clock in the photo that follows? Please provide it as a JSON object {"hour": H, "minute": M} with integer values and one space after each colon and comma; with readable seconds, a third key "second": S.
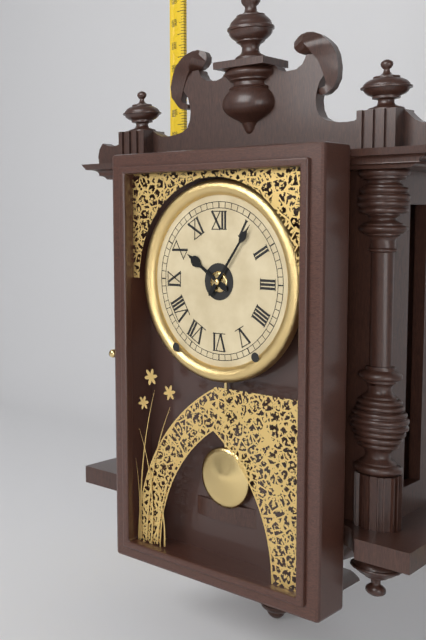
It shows {"hour": 10, "minute": 6}
